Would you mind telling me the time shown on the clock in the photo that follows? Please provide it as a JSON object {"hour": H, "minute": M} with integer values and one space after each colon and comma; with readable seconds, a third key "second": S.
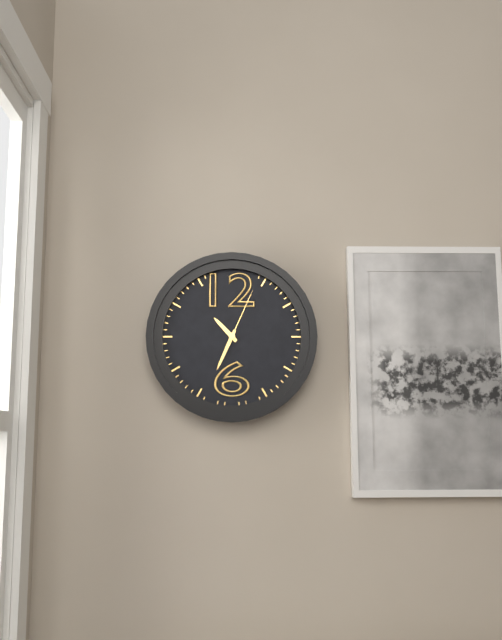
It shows {"hour": 10, "minute": 34, "second": 4}
